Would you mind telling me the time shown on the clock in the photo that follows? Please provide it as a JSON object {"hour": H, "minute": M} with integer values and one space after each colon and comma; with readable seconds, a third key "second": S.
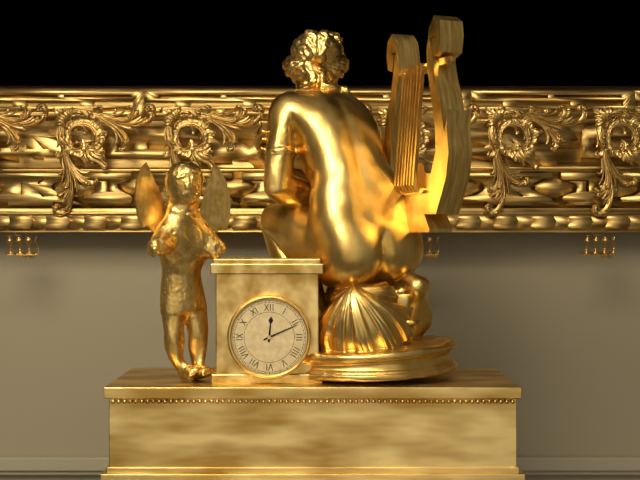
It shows {"hour": 12, "minute": 11}
